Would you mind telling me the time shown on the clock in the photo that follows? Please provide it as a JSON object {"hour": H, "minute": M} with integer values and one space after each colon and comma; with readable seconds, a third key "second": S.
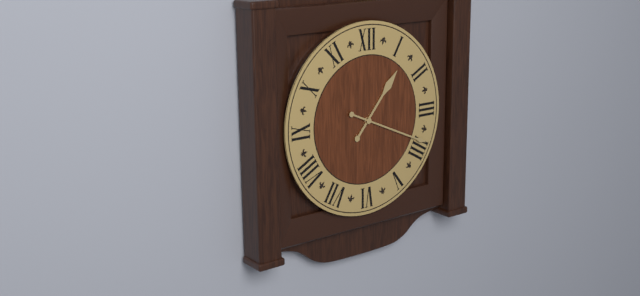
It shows {"hour": 1, "minute": 19}
